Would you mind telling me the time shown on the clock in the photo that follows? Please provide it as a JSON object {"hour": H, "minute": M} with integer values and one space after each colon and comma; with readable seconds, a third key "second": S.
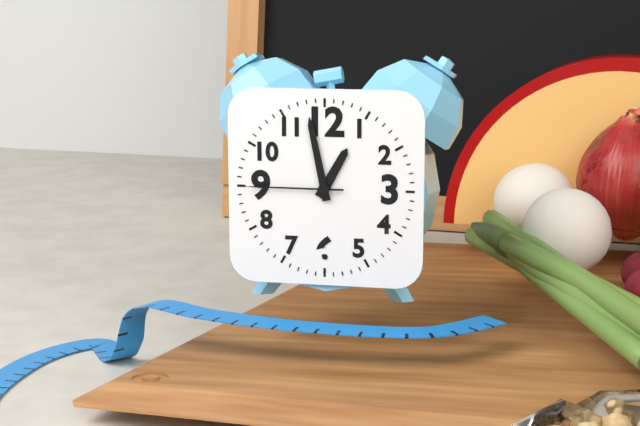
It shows {"hour": 12, "minute": 58, "second": 45}
